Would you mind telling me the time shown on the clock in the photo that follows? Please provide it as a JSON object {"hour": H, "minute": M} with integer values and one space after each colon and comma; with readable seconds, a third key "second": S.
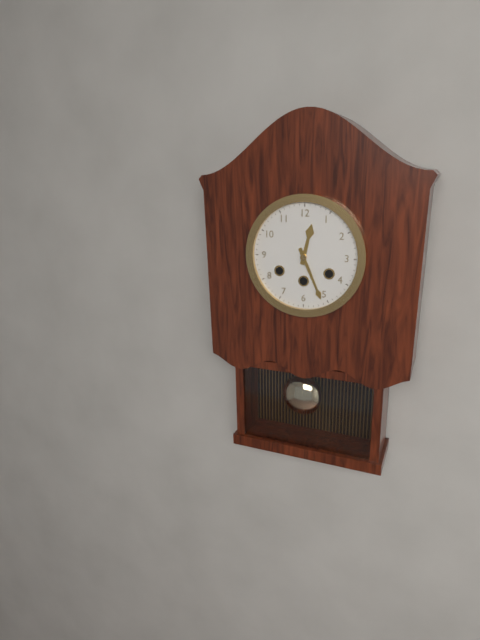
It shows {"hour": 12, "minute": 26}
